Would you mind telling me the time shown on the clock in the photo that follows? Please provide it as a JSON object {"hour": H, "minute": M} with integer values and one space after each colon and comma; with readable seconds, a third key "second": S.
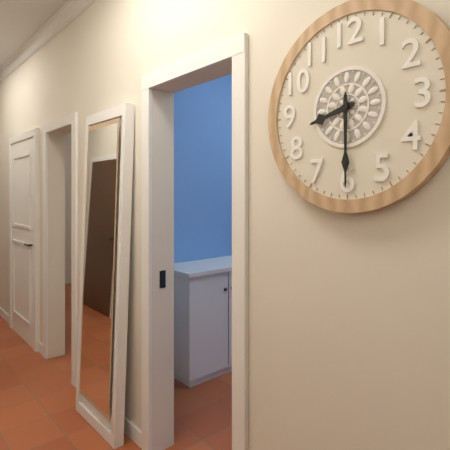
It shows {"hour": 8, "minute": 30}
